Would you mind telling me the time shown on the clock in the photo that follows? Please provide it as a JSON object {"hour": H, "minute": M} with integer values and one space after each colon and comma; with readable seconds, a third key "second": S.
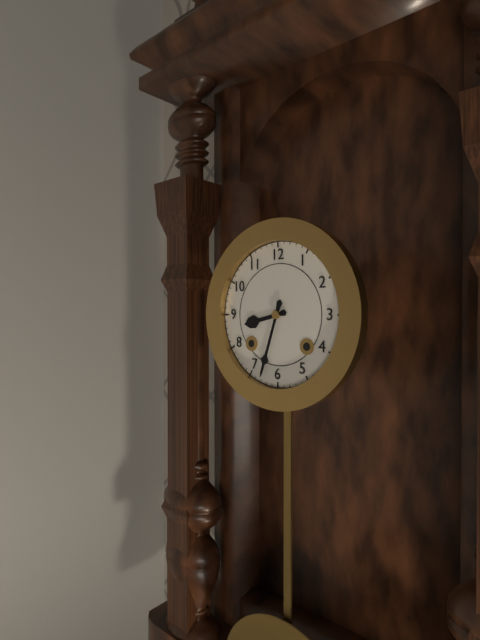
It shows {"hour": 8, "minute": 33}
